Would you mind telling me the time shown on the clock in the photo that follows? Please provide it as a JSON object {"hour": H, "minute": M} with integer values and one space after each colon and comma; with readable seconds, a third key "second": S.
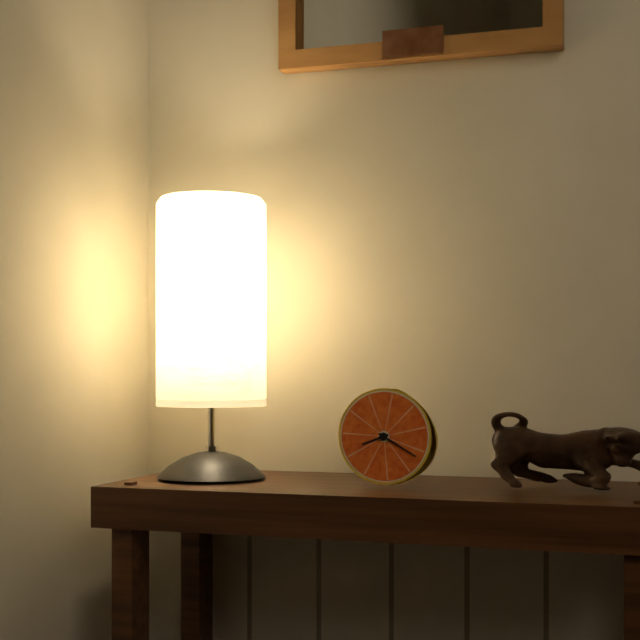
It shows {"hour": 8, "minute": 20}
